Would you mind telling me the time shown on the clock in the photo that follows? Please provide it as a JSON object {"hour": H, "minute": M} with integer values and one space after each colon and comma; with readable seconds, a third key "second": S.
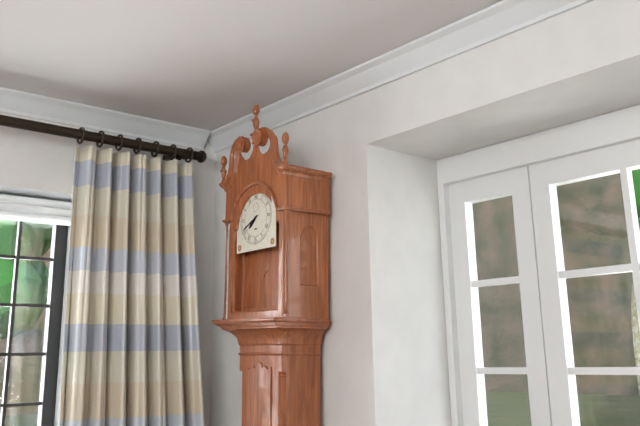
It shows {"hour": 7, "minute": 41}
